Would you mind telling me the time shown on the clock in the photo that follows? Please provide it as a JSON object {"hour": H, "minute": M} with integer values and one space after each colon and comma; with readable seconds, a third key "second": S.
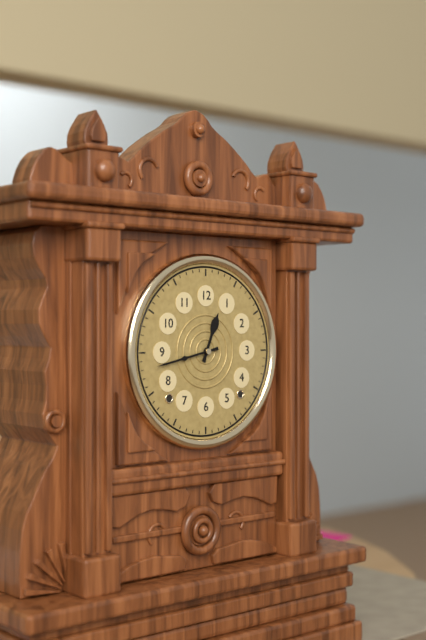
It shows {"hour": 12, "minute": 43}
